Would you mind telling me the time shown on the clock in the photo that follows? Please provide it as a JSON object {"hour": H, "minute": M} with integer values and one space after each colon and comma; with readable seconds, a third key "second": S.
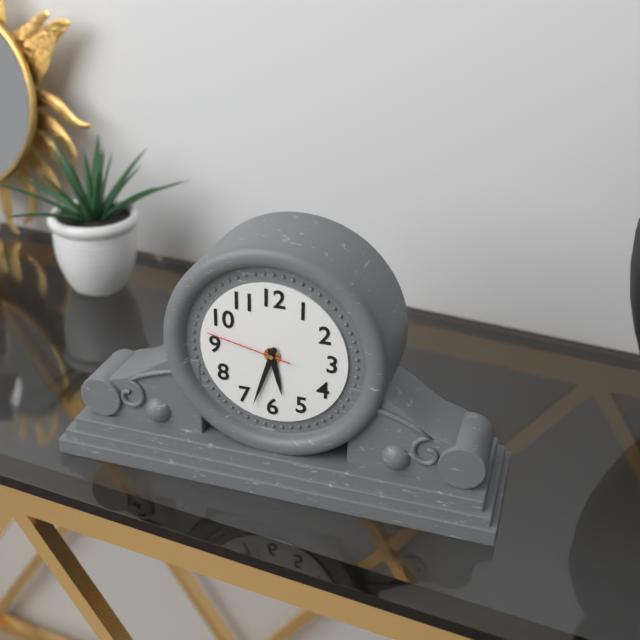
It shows {"hour": 5, "minute": 33, "second": 47}
